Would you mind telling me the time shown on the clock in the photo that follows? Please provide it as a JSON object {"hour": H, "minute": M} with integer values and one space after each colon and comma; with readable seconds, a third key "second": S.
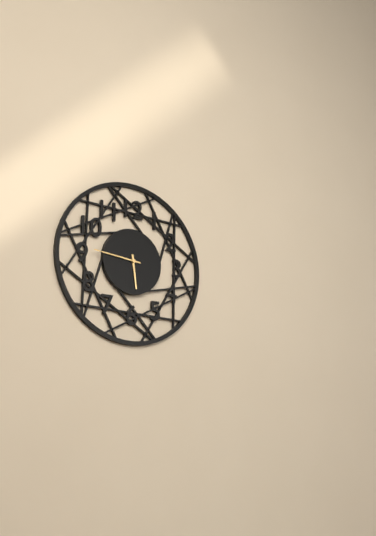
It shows {"hour": 5, "minute": 46}
